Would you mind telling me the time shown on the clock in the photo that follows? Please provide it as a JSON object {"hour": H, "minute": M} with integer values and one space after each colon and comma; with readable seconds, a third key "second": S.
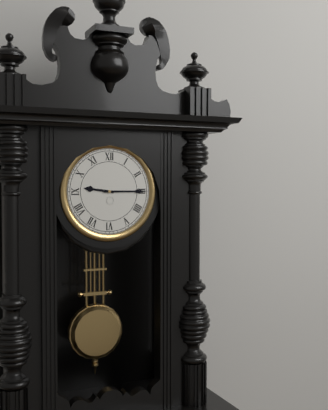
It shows {"hour": 9, "minute": 15}
